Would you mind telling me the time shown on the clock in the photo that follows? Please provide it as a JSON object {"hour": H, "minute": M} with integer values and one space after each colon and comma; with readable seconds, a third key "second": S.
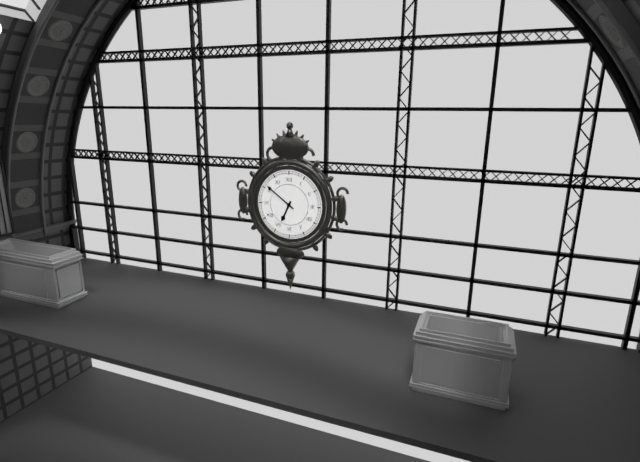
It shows {"hour": 6, "minute": 51}
